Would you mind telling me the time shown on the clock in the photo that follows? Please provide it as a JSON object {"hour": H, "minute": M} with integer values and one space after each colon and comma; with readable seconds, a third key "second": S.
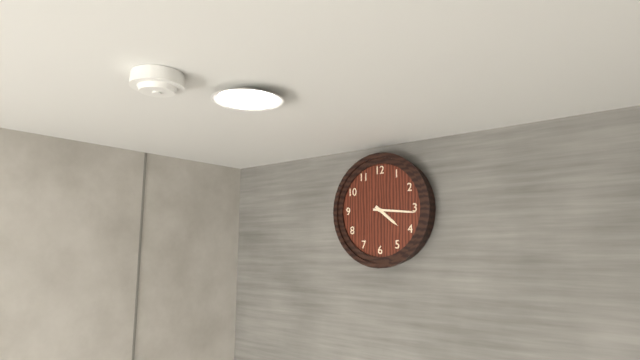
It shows {"hour": 4, "minute": 16}
